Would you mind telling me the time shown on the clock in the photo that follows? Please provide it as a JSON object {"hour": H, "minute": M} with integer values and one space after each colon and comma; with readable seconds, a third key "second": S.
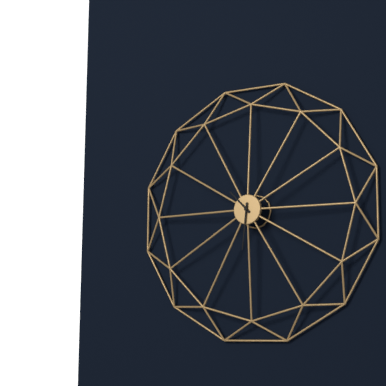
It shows {"hour": 10, "minute": 31}
